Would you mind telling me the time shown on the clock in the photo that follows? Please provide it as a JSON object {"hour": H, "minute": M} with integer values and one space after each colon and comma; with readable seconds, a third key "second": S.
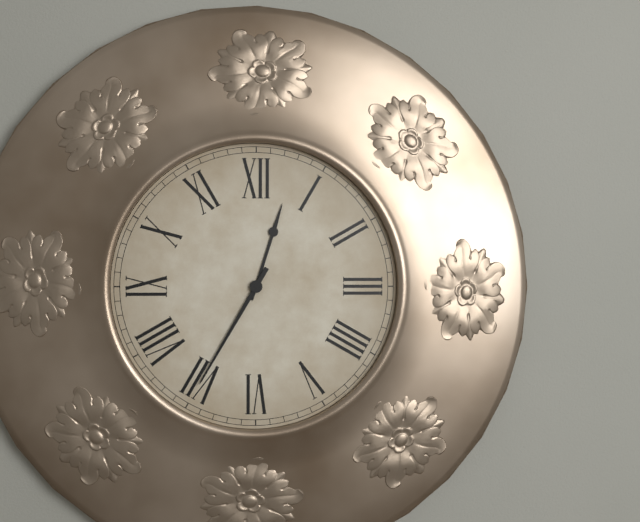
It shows {"hour": 12, "minute": 35}
